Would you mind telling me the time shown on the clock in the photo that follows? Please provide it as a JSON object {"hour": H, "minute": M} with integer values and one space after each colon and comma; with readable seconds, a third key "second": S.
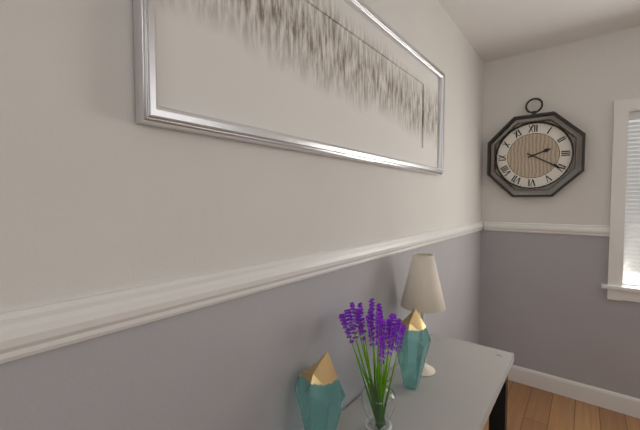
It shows {"hour": 2, "minute": 20}
